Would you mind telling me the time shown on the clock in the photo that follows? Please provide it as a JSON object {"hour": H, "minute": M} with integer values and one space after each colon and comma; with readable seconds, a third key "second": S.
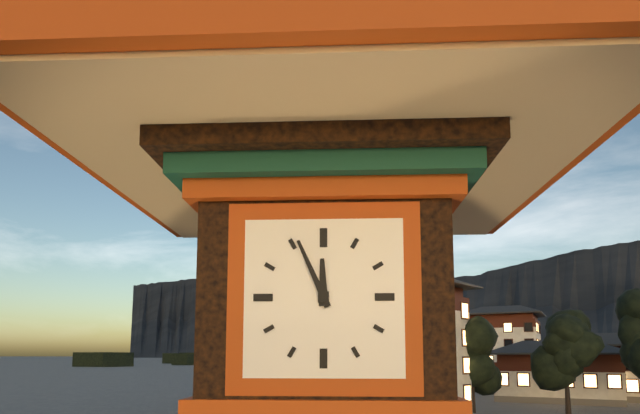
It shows {"hour": 11, "minute": 56}
